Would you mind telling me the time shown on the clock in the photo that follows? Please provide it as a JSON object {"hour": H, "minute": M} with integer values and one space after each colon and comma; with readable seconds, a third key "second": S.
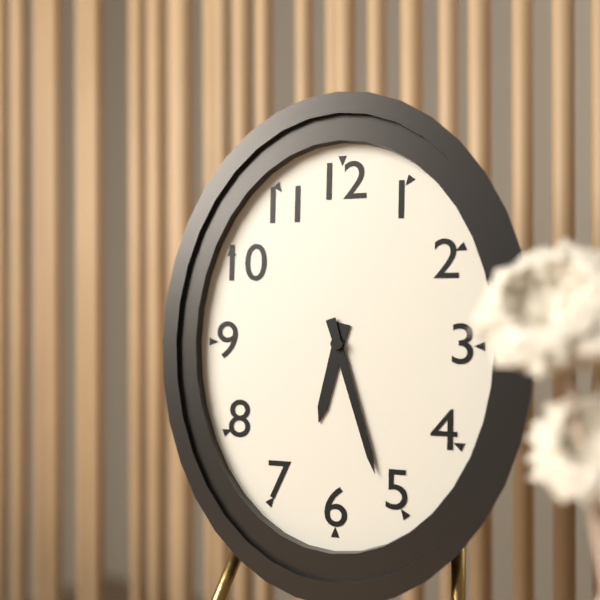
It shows {"hour": 6, "minute": 27}
